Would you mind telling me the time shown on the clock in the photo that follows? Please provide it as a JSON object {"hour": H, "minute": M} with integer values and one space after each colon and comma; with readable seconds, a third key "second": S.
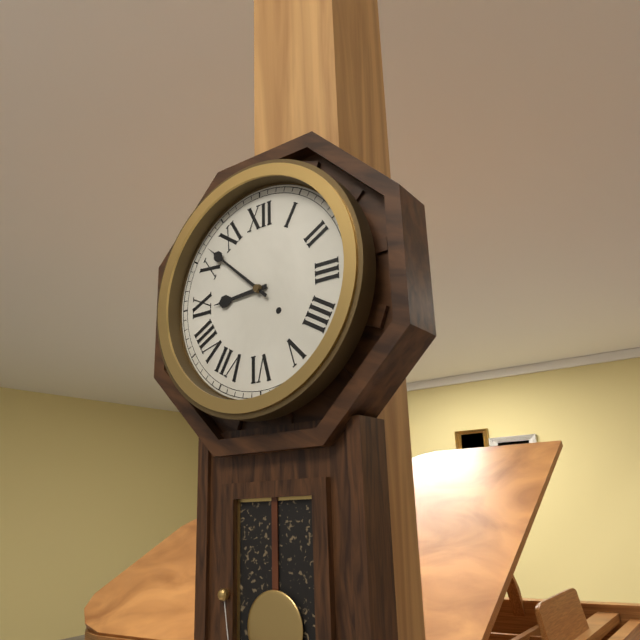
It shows {"hour": 8, "minute": 52}
